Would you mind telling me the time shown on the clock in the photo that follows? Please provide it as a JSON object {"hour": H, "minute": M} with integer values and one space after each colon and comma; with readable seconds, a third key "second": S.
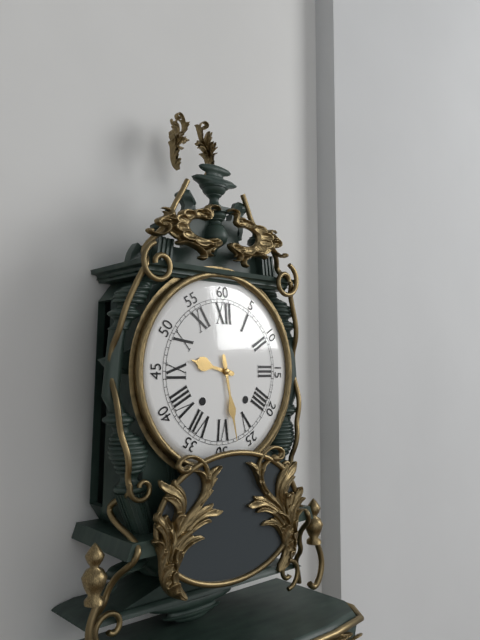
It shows {"hour": 9, "minute": 28}
